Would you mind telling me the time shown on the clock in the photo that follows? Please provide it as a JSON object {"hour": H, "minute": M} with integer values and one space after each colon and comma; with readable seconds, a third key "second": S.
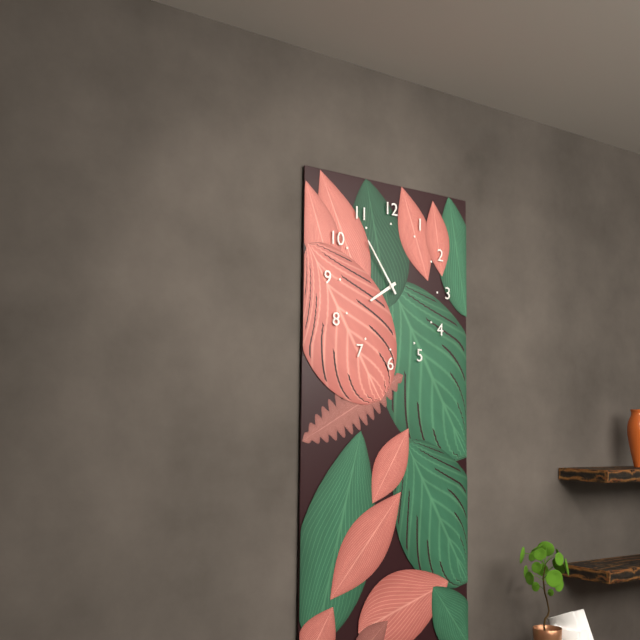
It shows {"hour": 7, "minute": 54}
